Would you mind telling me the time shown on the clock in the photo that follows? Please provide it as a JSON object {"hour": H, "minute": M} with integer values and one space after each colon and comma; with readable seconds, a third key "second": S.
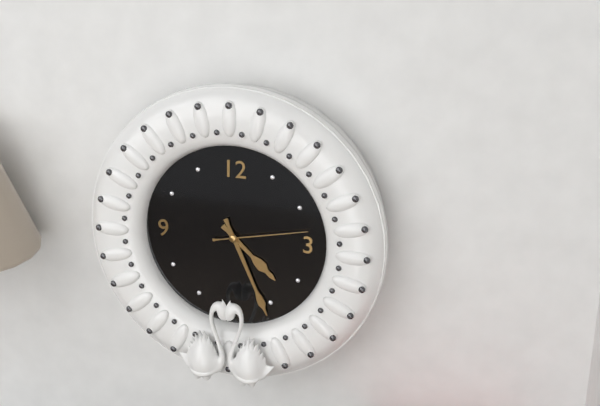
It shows {"hour": 4, "minute": 26, "second": 13}
